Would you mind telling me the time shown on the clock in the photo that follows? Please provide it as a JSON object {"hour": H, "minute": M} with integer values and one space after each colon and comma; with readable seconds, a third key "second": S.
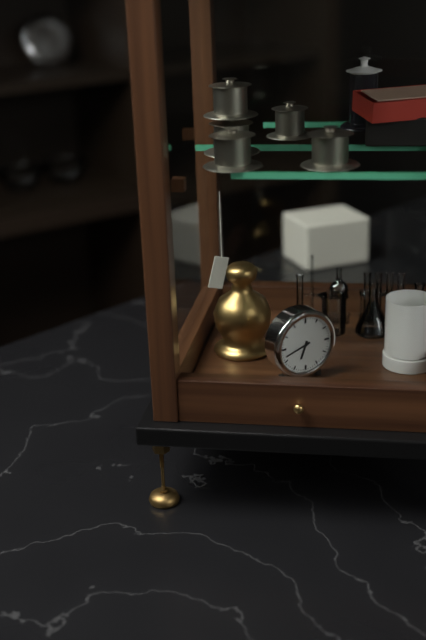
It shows {"hour": 6, "minute": 42}
